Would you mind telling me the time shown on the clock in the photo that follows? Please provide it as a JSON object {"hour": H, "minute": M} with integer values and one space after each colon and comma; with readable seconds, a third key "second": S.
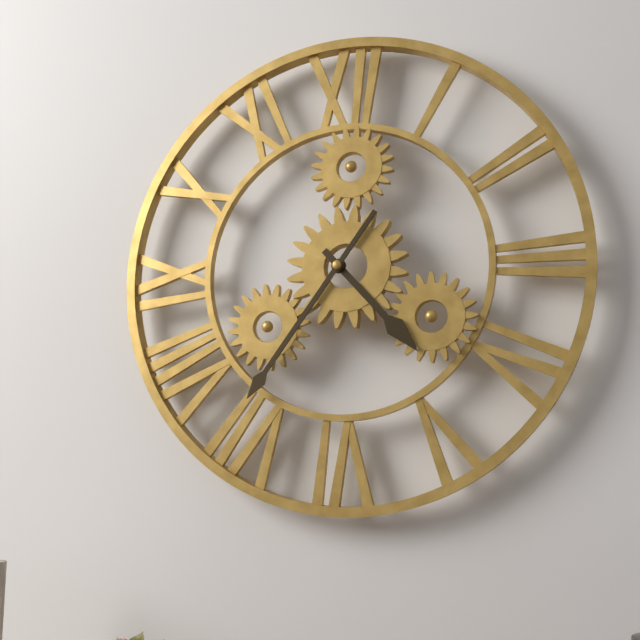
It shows {"hour": 4, "minute": 36}
